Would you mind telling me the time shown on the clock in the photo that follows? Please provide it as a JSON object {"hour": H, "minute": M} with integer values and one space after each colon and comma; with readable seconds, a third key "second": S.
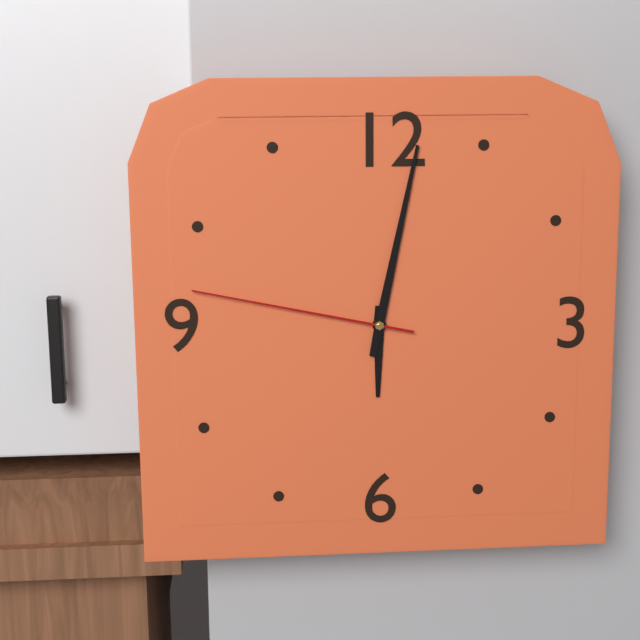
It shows {"hour": 6, "minute": 2, "second": 47}
